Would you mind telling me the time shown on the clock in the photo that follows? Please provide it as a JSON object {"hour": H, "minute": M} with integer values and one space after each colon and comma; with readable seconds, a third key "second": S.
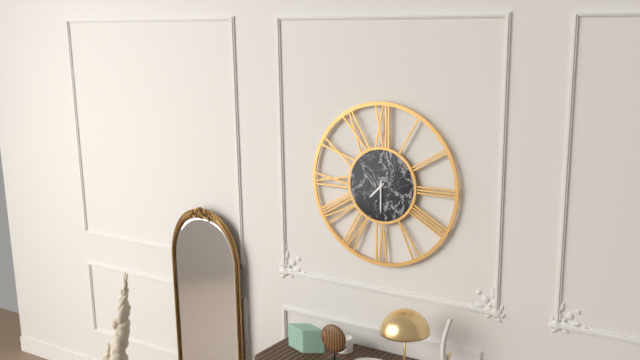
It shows {"hour": 7, "minute": 30}
